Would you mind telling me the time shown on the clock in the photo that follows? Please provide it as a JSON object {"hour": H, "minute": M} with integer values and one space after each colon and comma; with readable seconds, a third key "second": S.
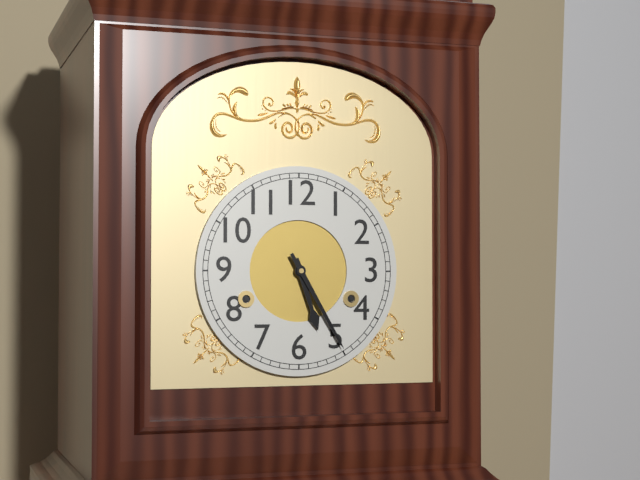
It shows {"hour": 5, "minute": 25}
